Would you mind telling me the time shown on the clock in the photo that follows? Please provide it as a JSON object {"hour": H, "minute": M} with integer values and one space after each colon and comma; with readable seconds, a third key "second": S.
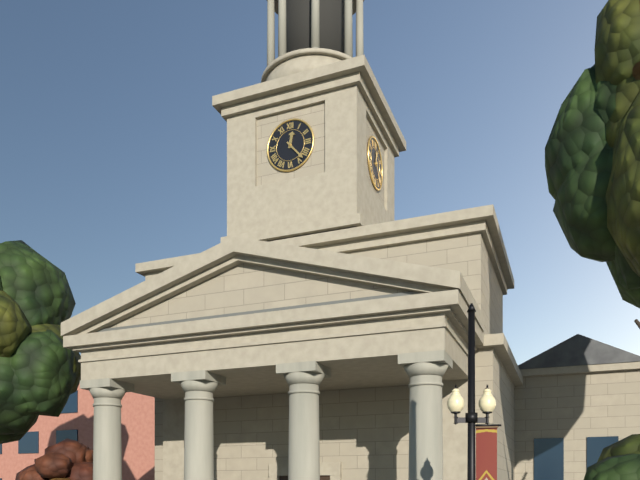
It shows {"hour": 12, "minute": 23}
